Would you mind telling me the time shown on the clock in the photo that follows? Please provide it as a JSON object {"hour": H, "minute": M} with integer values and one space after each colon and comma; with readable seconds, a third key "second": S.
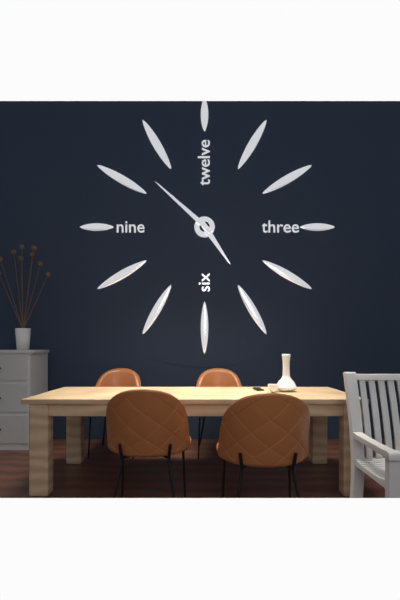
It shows {"hour": 4, "minute": 52}
